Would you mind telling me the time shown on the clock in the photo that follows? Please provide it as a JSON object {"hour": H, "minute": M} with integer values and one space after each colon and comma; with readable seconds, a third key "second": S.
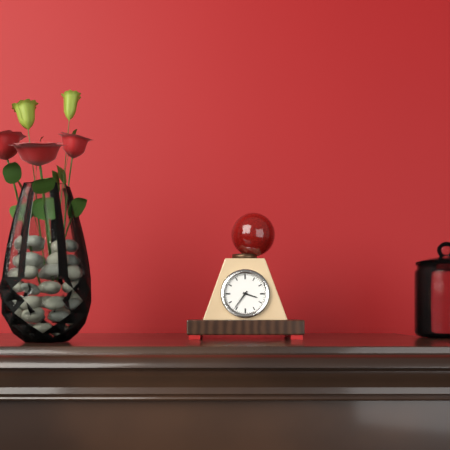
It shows {"hour": 3, "minute": 36}
